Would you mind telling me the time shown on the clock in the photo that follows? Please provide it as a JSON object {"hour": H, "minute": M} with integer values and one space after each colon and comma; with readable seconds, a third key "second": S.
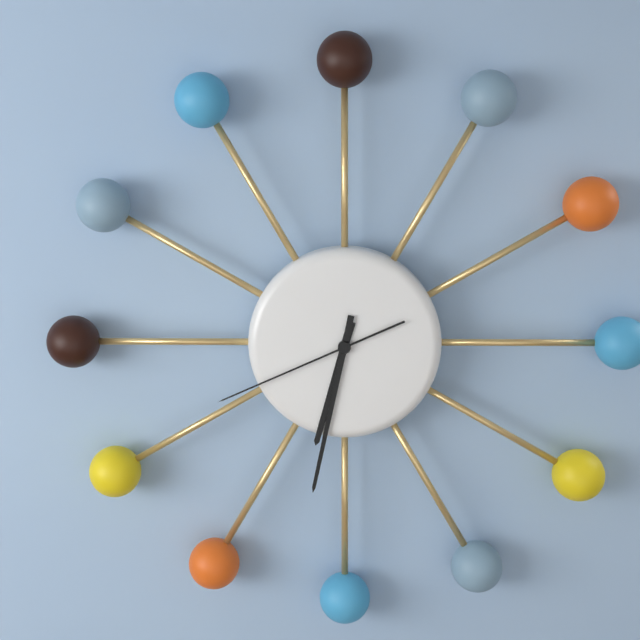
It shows {"hour": 6, "minute": 32, "second": 41}
